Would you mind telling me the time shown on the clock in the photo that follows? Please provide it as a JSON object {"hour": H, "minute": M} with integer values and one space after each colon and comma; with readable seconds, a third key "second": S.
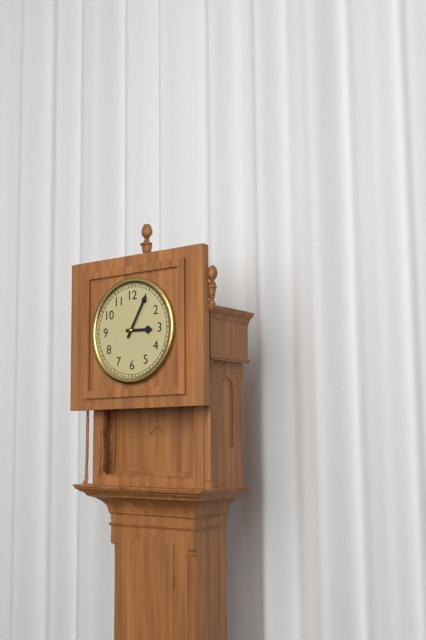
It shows {"hour": 3, "minute": 5}
